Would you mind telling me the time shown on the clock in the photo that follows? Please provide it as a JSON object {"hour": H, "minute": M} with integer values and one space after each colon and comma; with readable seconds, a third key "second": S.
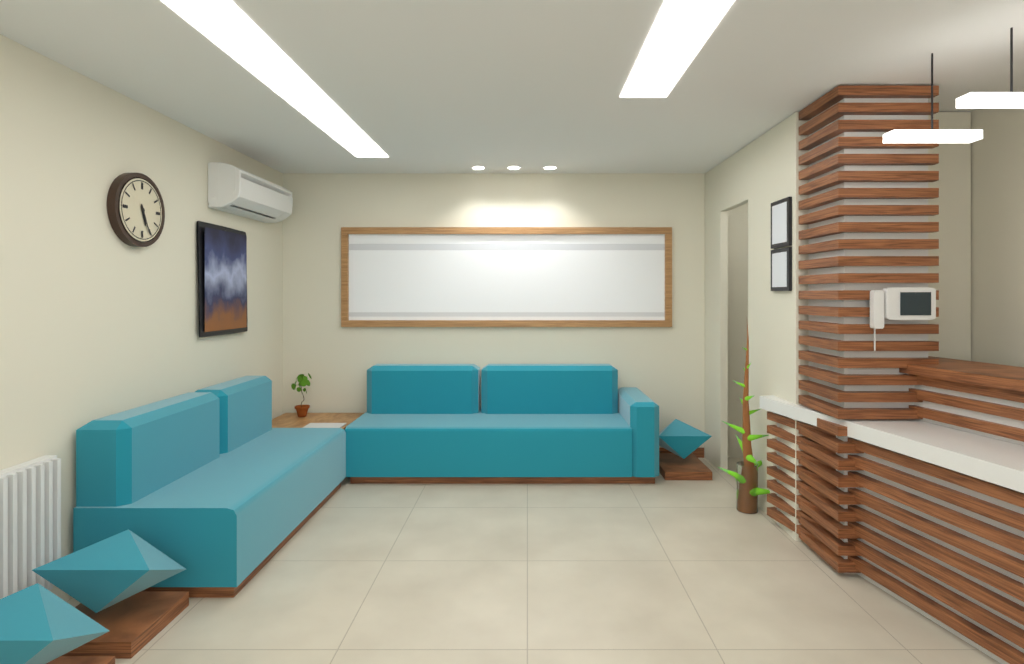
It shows {"hour": 5, "minute": 26}
